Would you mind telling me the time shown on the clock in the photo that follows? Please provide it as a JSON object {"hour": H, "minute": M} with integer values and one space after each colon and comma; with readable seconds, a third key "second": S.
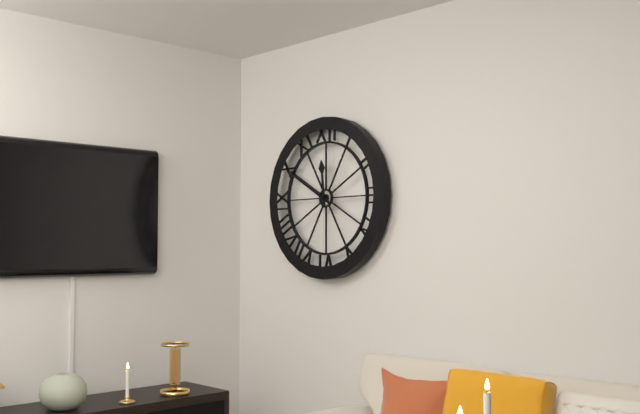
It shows {"hour": 11, "minute": 50}
